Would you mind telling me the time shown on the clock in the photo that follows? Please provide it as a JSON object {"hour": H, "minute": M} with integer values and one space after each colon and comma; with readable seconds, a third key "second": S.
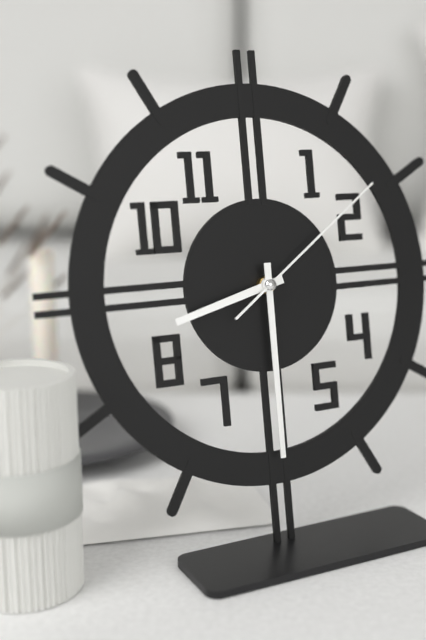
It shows {"hour": 8, "minute": 30, "second": 9}
